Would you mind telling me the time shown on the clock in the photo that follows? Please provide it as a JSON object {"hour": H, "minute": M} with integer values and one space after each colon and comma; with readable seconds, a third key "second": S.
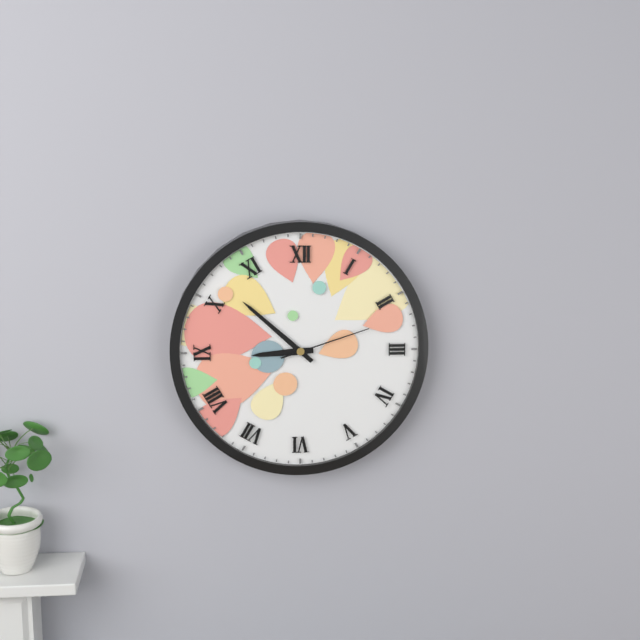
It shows {"hour": 8, "minute": 52, "second": 12}
